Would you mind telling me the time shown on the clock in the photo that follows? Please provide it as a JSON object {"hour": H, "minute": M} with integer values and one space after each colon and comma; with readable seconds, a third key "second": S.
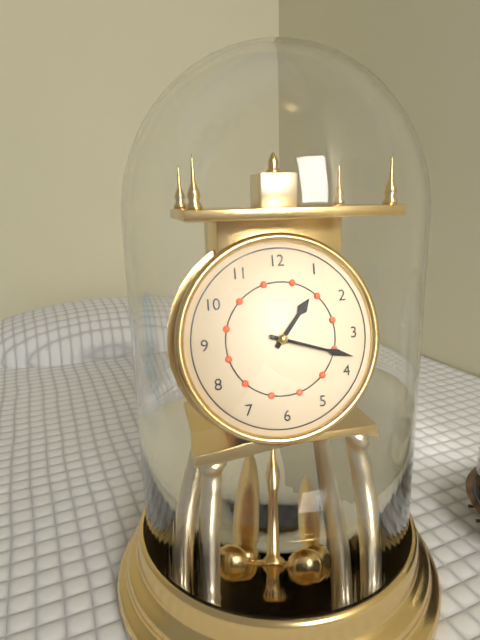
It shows {"hour": 1, "minute": 18}
